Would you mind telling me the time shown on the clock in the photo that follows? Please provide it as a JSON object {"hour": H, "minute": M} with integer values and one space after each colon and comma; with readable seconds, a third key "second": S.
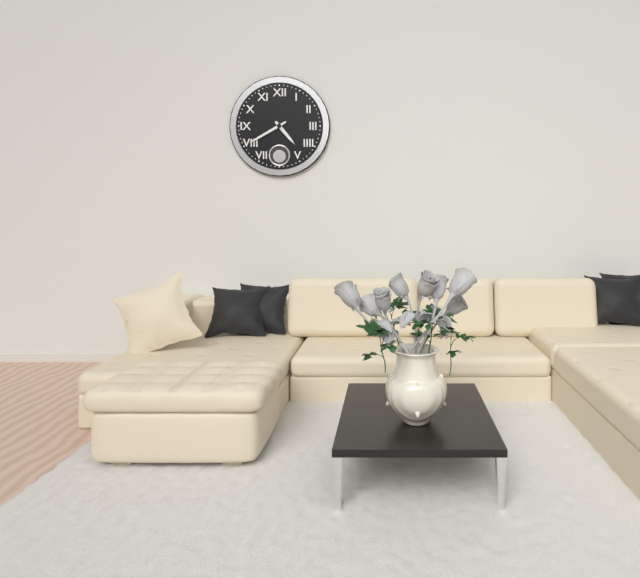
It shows {"hour": 4, "minute": 40}
